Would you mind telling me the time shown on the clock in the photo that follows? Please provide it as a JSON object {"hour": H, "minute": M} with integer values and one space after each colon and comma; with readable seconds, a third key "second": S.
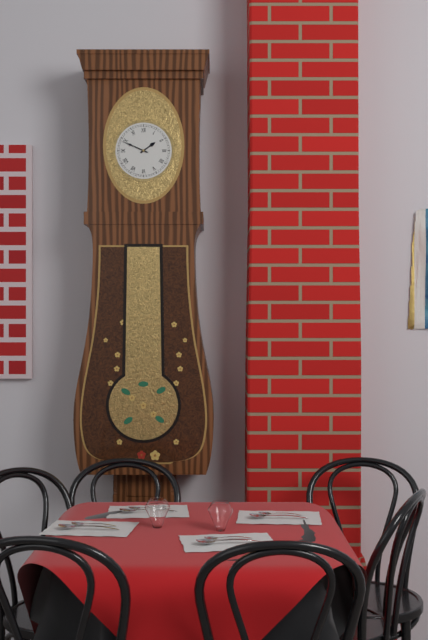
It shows {"hour": 1, "minute": 49}
